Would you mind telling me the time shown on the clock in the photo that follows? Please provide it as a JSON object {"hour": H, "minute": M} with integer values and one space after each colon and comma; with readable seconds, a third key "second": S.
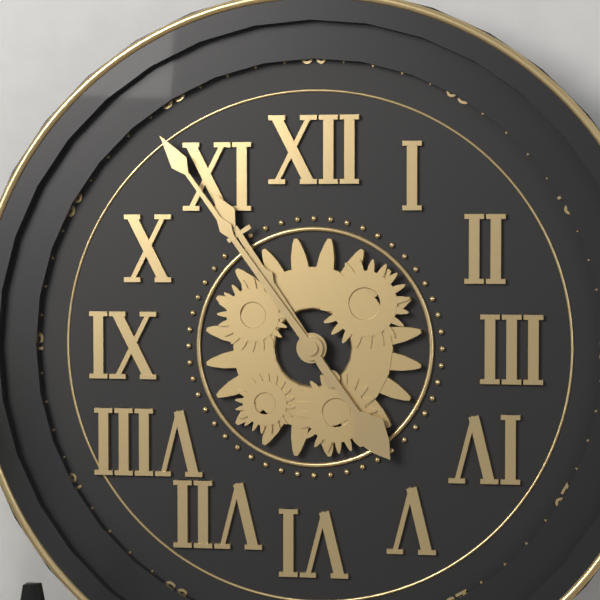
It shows {"hour": 10, "minute": 54}
